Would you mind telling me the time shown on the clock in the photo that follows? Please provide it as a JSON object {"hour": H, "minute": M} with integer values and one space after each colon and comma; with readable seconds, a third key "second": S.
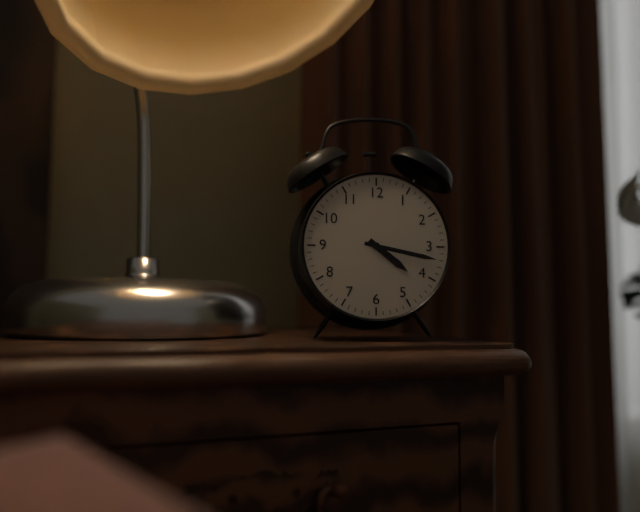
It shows {"hour": 4, "minute": 17}
